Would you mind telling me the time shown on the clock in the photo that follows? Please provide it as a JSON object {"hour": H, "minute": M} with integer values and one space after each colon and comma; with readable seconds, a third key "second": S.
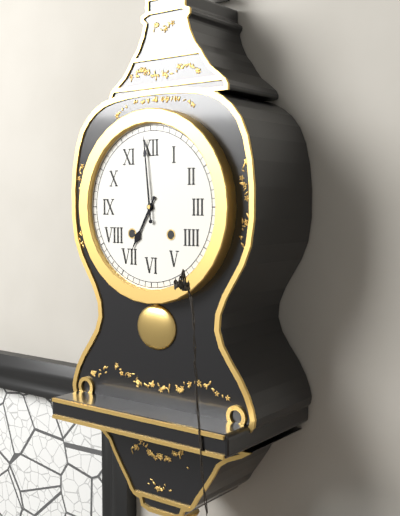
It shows {"hour": 6, "minute": 59}
